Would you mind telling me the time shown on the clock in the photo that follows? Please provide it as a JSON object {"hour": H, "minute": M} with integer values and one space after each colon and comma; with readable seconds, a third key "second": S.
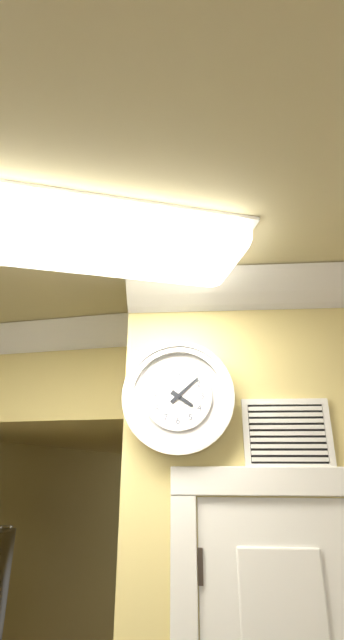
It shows {"hour": 4, "minute": 8}
